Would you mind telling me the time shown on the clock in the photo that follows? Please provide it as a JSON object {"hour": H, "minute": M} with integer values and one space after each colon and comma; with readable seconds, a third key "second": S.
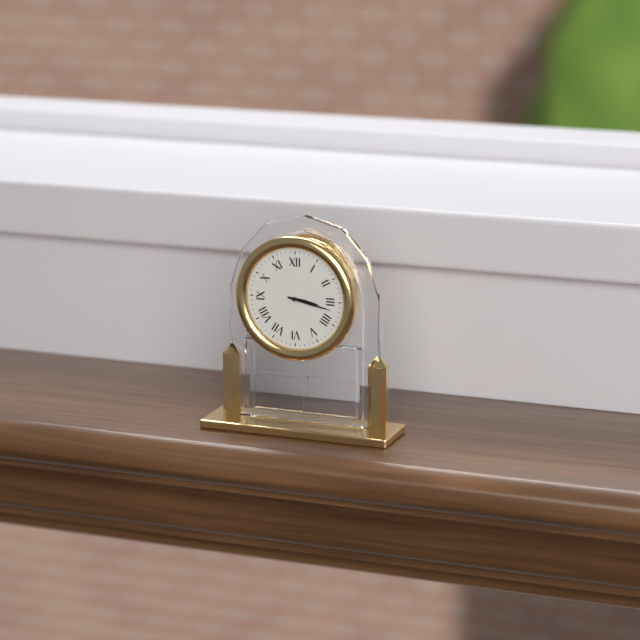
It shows {"hour": 3, "minute": 17}
